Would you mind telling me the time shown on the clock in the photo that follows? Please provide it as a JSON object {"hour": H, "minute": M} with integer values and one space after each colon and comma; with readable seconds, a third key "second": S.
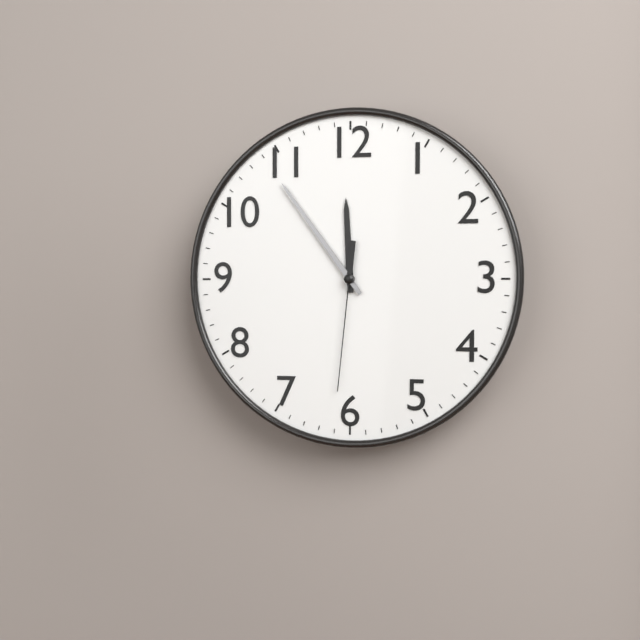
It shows {"hour": 11, "minute": 54, "second": 31}
